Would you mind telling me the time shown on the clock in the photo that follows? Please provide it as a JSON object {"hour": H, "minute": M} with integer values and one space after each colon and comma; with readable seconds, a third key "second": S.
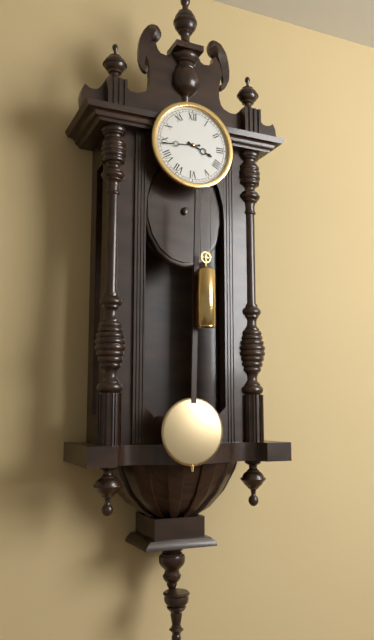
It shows {"hour": 3, "minute": 44}
